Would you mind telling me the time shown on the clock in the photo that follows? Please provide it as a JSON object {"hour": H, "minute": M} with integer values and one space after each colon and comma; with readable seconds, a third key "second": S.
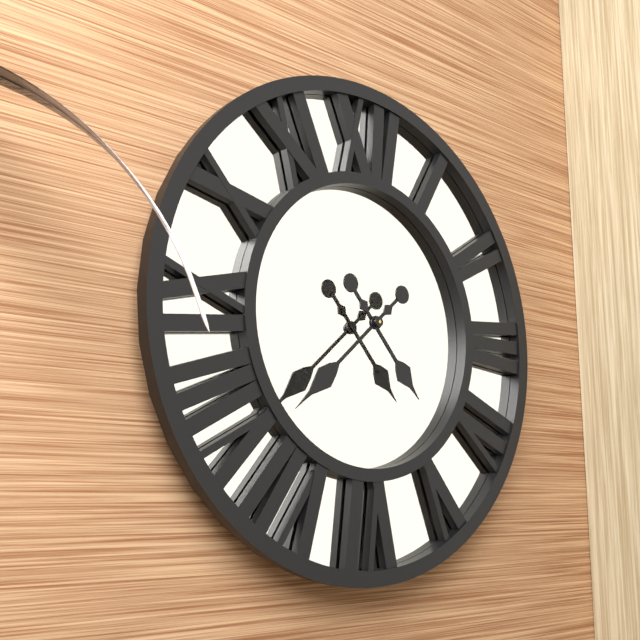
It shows {"hour": 4, "minute": 38}
